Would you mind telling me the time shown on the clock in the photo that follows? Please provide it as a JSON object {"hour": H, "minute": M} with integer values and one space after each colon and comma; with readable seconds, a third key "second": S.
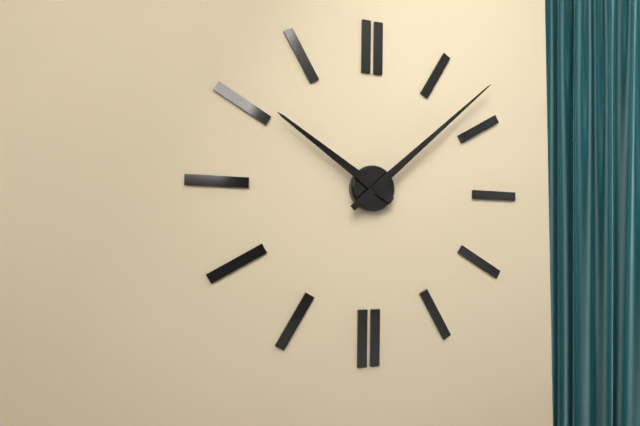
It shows {"hour": 10, "minute": 8}
